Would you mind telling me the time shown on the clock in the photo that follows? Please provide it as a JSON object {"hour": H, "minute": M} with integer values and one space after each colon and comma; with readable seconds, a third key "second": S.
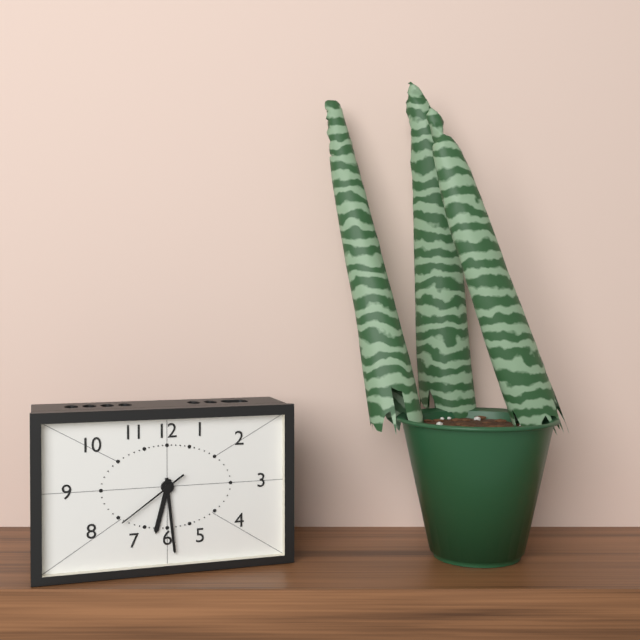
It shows {"hour": 6, "minute": 29, "second": 39}
